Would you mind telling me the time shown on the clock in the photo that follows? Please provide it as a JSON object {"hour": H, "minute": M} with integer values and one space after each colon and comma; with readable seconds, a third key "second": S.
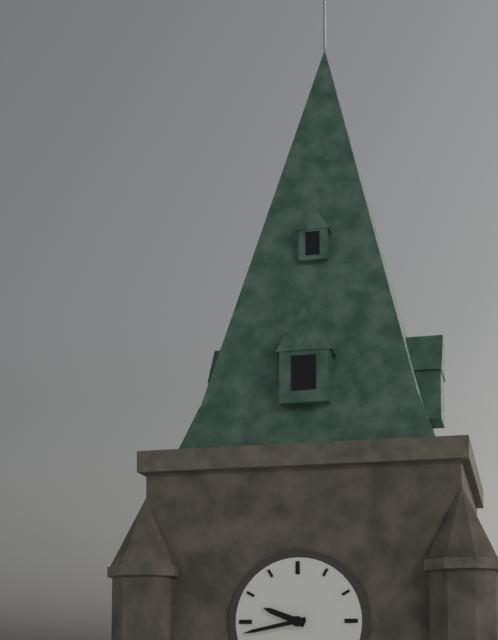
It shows {"hour": 9, "minute": 43}
